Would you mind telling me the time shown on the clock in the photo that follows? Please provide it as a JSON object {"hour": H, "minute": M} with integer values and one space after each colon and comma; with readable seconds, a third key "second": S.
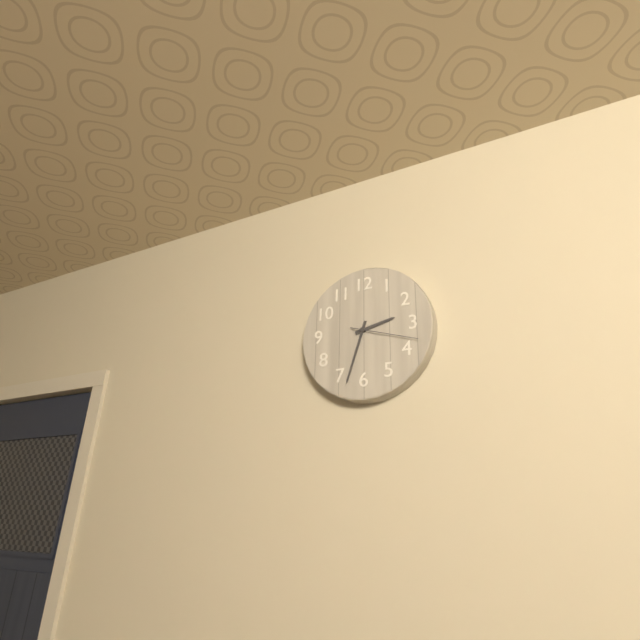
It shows {"hour": 2, "minute": 33, "second": 18}
